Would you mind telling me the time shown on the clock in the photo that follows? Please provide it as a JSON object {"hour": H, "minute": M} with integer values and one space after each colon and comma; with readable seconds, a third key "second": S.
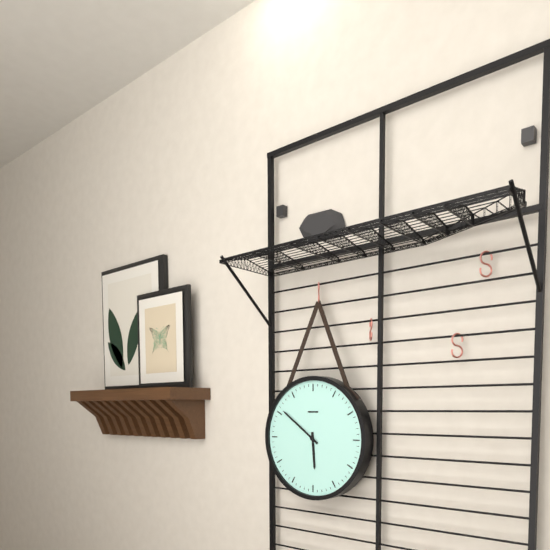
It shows {"hour": 5, "minute": 51}
